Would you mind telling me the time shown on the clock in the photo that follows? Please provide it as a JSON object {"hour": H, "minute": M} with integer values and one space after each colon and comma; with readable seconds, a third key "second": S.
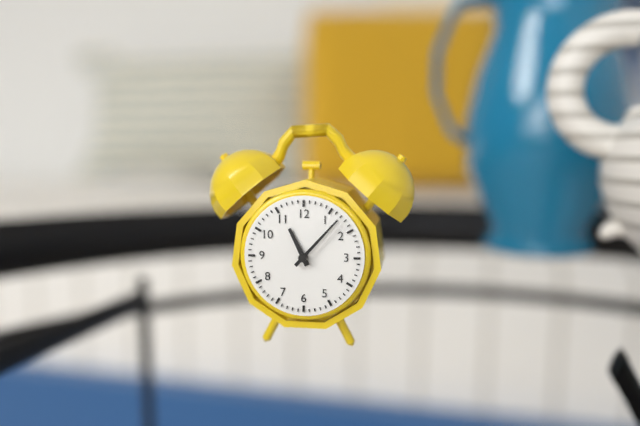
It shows {"hour": 11, "minute": 7}
